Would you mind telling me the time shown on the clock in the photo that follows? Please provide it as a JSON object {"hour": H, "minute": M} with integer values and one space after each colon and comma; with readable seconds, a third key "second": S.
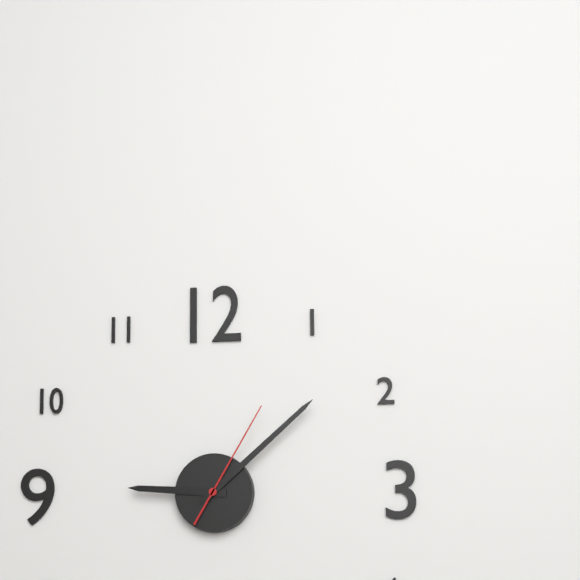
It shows {"hour": 9, "minute": 8, "second": 5}
